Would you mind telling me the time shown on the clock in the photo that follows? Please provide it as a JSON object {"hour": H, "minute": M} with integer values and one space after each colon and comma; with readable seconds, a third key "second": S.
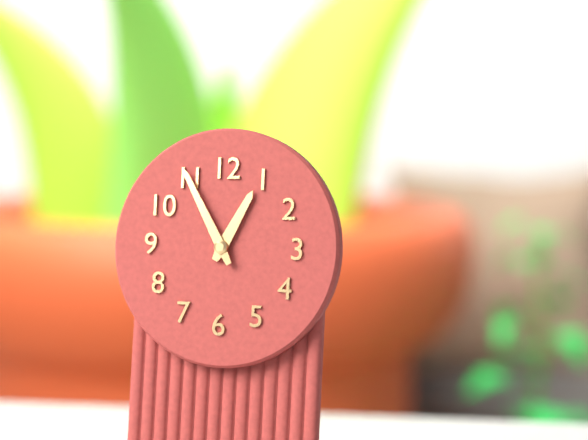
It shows {"hour": 12, "minute": 55}
